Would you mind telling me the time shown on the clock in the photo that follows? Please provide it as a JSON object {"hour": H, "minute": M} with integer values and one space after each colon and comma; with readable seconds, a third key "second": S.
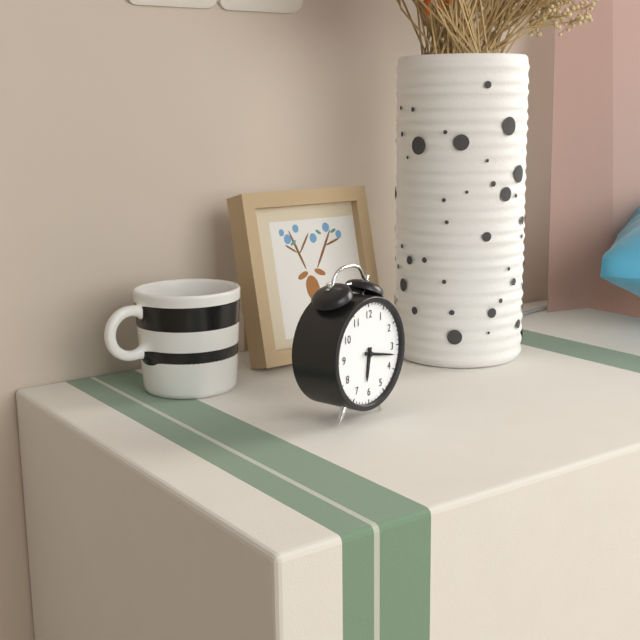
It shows {"hour": 6, "minute": 17}
